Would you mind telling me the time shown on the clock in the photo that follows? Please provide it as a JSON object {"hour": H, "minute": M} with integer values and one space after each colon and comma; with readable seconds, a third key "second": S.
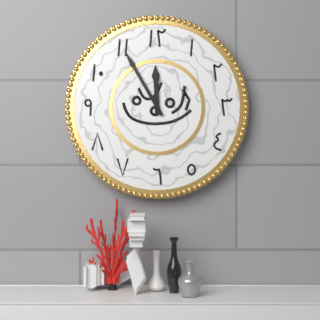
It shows {"hour": 11, "minute": 55}
